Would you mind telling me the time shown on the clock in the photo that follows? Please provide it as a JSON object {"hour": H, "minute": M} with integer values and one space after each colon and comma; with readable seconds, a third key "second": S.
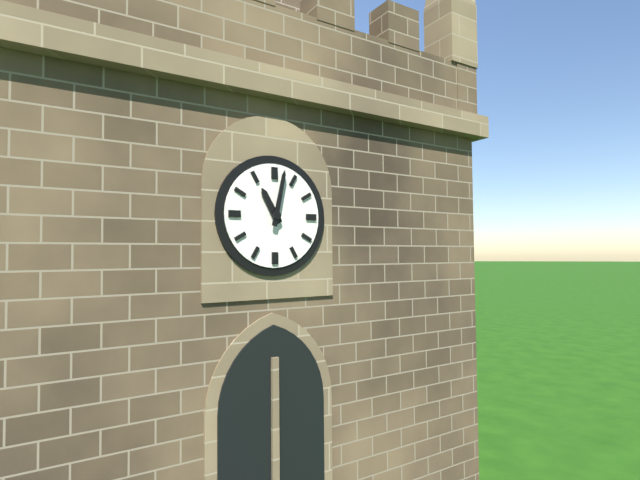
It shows {"hour": 11, "minute": 2}
